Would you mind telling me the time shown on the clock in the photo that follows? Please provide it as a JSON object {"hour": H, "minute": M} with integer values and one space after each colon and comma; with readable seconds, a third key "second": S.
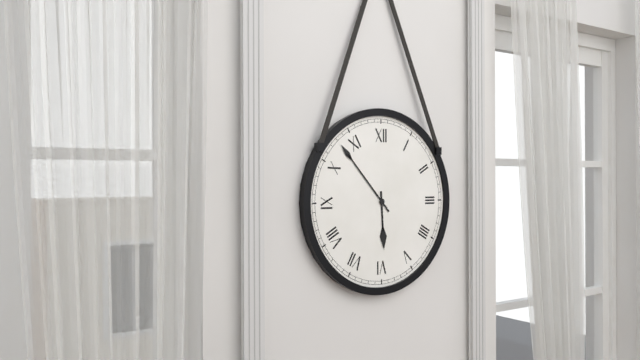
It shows {"hour": 5, "minute": 53}
